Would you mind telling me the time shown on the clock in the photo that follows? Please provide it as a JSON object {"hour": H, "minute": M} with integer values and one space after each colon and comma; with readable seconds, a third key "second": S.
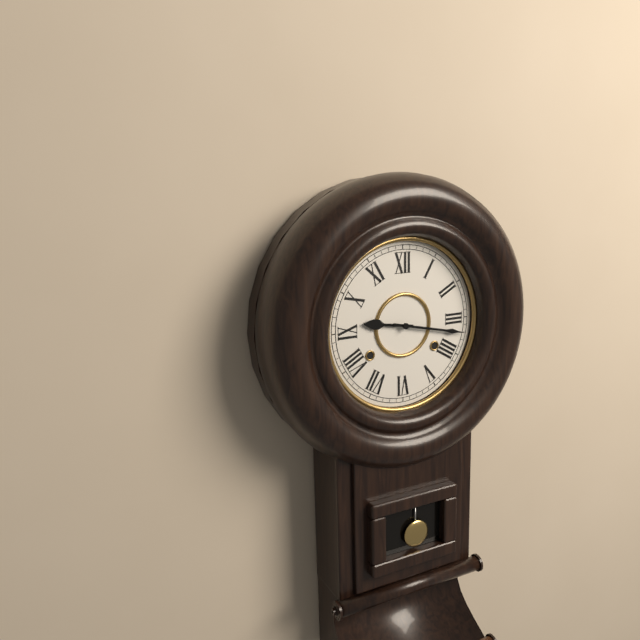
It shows {"hour": 9, "minute": 17}
